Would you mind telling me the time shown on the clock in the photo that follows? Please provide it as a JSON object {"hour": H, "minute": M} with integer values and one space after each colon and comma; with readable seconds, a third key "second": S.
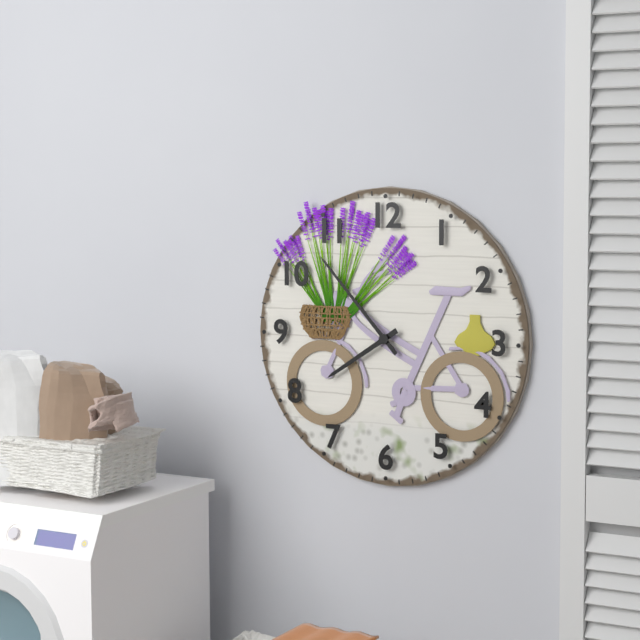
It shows {"hour": 7, "minute": 53}
